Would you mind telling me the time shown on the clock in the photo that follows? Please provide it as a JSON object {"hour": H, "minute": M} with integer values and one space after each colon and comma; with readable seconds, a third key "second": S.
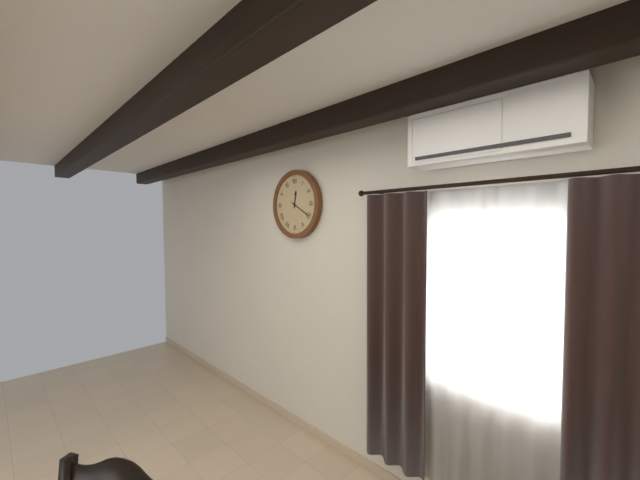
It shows {"hour": 12, "minute": 20}
